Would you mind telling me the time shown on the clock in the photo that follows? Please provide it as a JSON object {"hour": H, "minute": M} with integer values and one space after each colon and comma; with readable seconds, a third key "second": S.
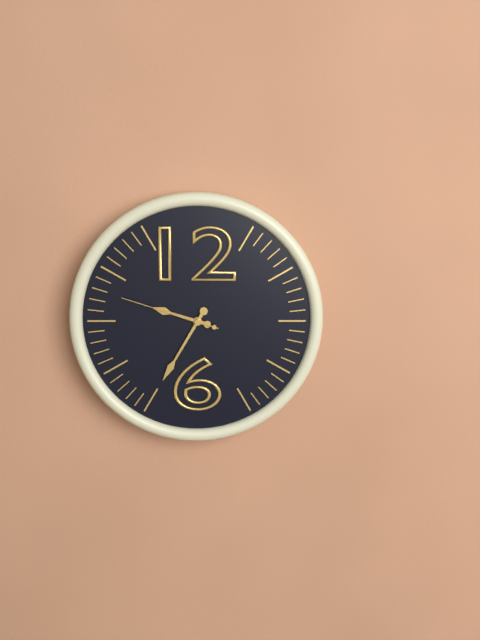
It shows {"hour": 9, "minute": 35, "second": 48}
